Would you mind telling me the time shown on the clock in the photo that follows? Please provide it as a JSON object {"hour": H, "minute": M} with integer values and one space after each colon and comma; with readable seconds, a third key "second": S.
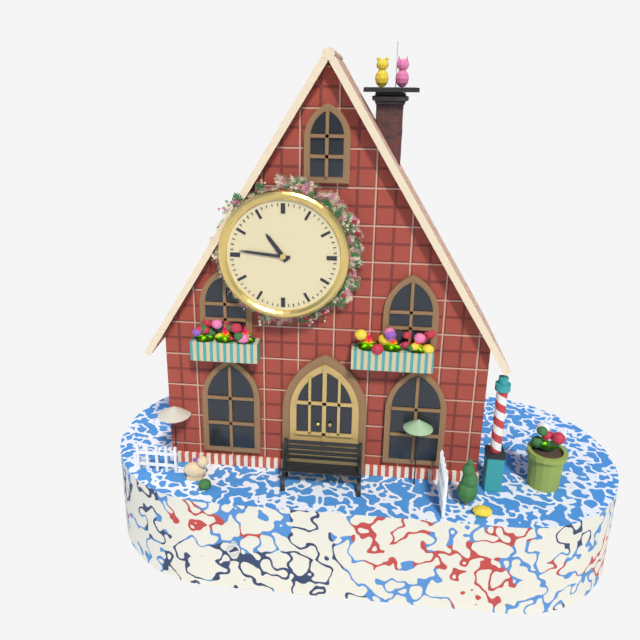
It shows {"hour": 10, "minute": 46}
